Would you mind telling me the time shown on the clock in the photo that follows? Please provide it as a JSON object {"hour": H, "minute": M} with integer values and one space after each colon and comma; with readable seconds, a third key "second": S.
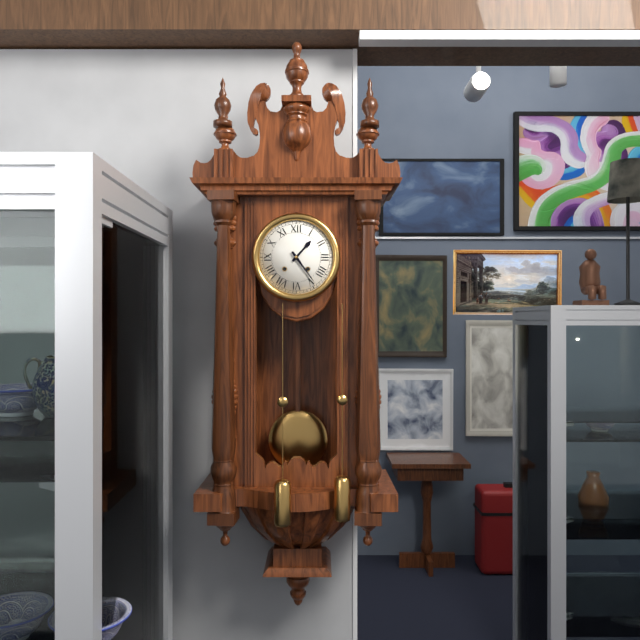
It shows {"hour": 1, "minute": 24}
